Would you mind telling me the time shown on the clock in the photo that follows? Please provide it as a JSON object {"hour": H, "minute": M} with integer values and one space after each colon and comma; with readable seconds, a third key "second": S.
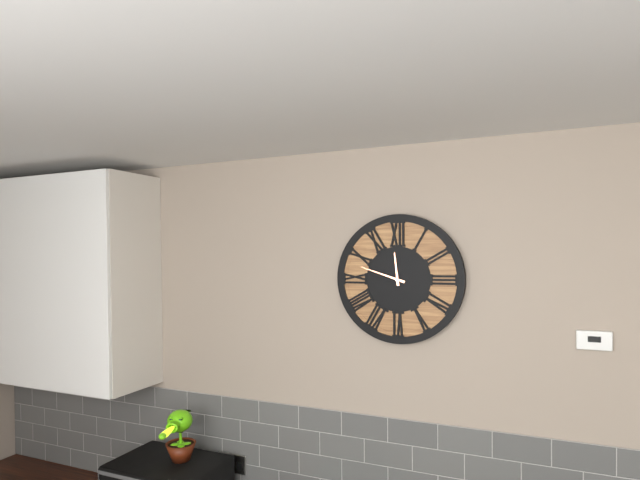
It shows {"hour": 11, "minute": 48}
